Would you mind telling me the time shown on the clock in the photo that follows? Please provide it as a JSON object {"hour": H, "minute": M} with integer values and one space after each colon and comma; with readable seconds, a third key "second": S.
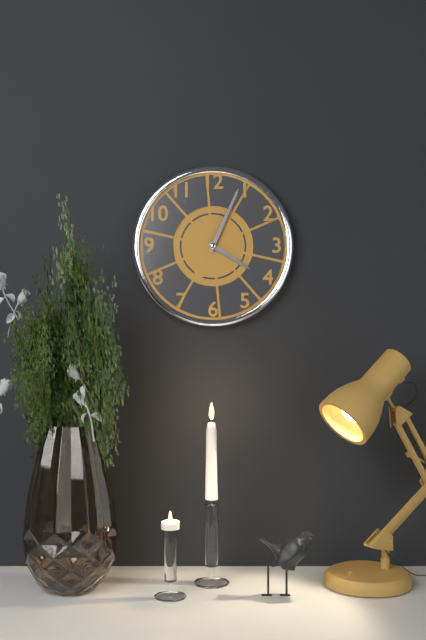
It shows {"hour": 4, "minute": 4}
